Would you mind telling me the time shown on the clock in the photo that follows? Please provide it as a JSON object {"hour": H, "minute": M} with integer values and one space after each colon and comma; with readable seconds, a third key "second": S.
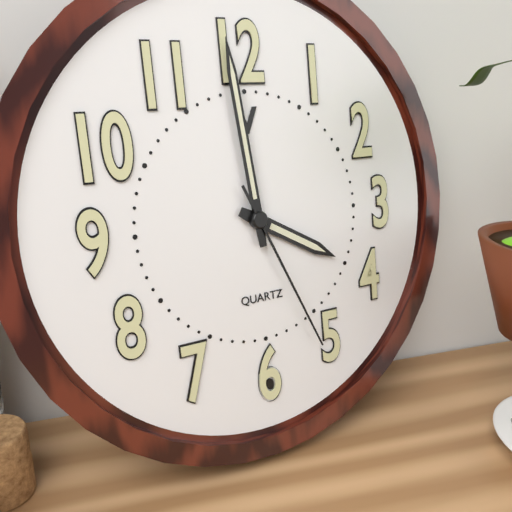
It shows {"hour": 3, "minute": 59, "second": 26}
